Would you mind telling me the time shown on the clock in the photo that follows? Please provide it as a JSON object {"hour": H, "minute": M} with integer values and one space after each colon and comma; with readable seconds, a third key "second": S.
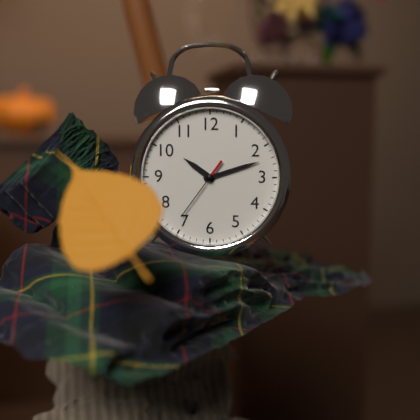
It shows {"hour": 10, "minute": 12, "second": 36}
